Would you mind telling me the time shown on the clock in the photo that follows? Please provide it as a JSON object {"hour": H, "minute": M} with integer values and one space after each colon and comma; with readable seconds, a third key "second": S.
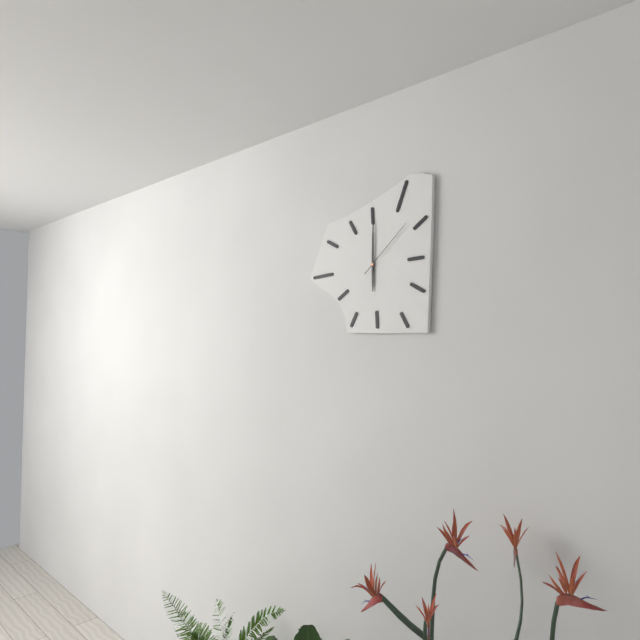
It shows {"hour": 6, "minute": 0, "second": 8}
